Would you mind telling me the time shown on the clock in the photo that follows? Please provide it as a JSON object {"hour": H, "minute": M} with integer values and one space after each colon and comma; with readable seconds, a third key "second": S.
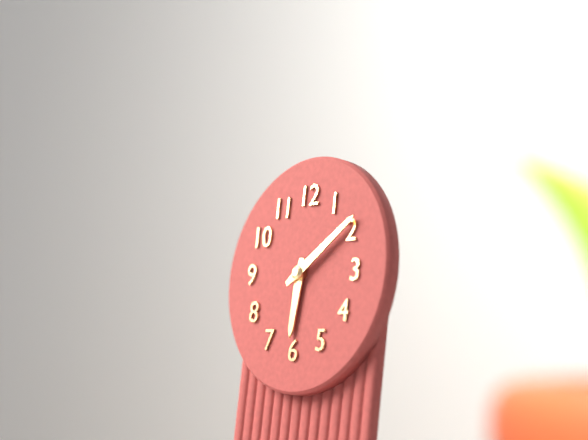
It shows {"hour": 6, "minute": 9}
